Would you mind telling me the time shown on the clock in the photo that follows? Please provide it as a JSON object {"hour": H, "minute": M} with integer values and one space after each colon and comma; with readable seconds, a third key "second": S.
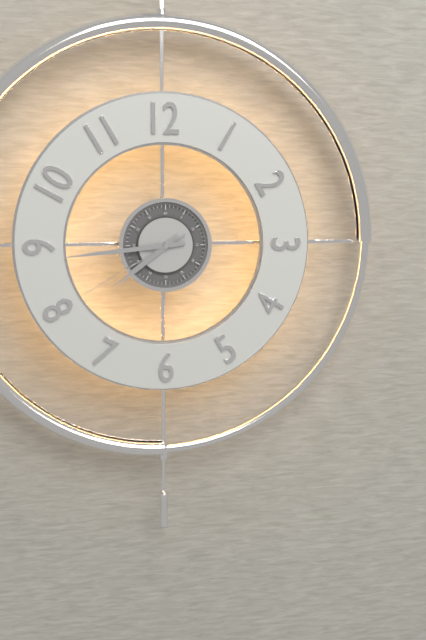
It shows {"hour": 7, "minute": 44, "second": 40}
